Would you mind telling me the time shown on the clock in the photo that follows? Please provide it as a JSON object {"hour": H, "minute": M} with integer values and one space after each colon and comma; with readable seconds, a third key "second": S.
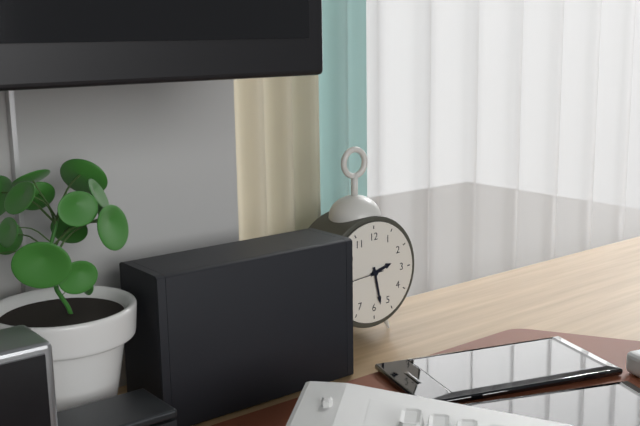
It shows {"hour": 2, "minute": 28}
